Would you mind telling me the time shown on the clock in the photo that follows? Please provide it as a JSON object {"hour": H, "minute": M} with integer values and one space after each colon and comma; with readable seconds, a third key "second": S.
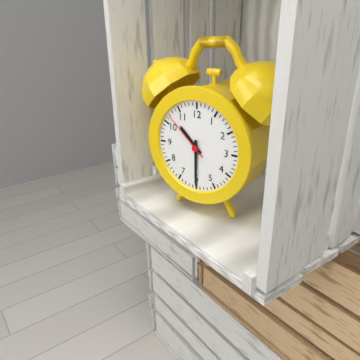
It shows {"hour": 10, "minute": 30, "second": 52}
